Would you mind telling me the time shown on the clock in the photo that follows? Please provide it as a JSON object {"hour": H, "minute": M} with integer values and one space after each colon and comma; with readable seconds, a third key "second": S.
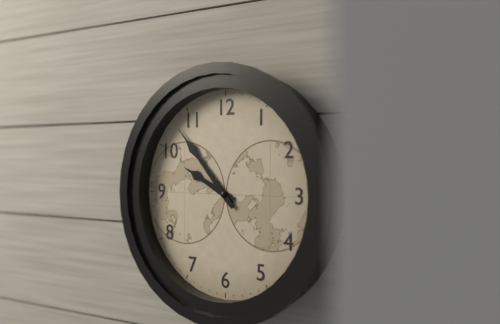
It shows {"hour": 9, "minute": 53}
